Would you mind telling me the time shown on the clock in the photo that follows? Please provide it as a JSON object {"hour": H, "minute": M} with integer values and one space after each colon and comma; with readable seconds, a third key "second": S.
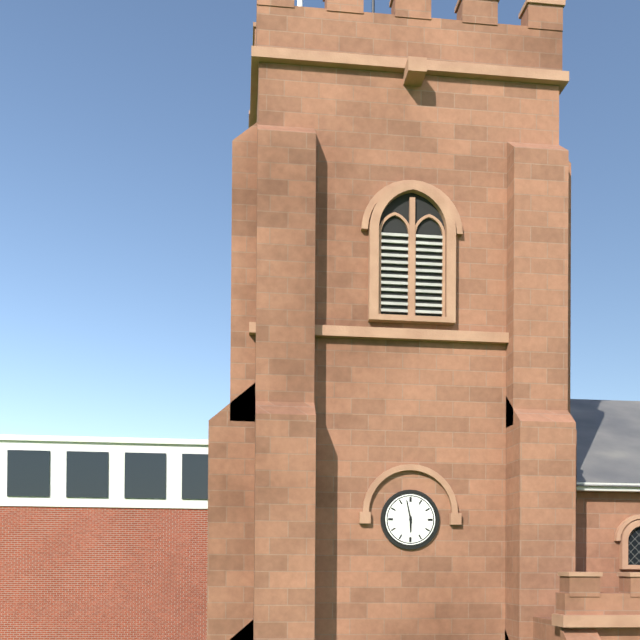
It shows {"hour": 5, "minute": 58}
